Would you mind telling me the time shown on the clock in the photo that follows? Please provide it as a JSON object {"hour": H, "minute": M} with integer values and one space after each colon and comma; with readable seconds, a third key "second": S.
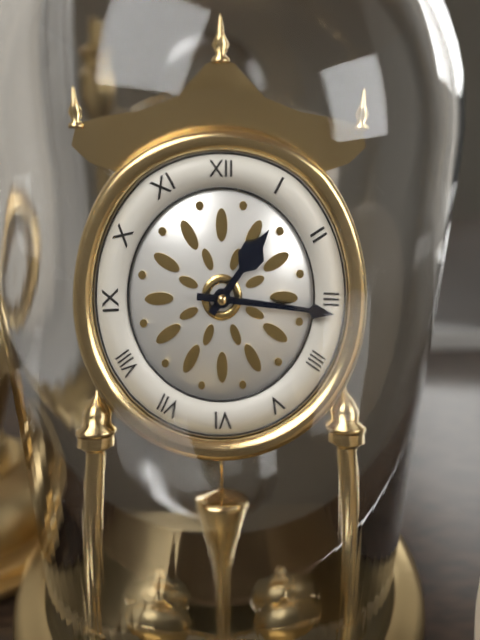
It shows {"hour": 1, "minute": 16}
